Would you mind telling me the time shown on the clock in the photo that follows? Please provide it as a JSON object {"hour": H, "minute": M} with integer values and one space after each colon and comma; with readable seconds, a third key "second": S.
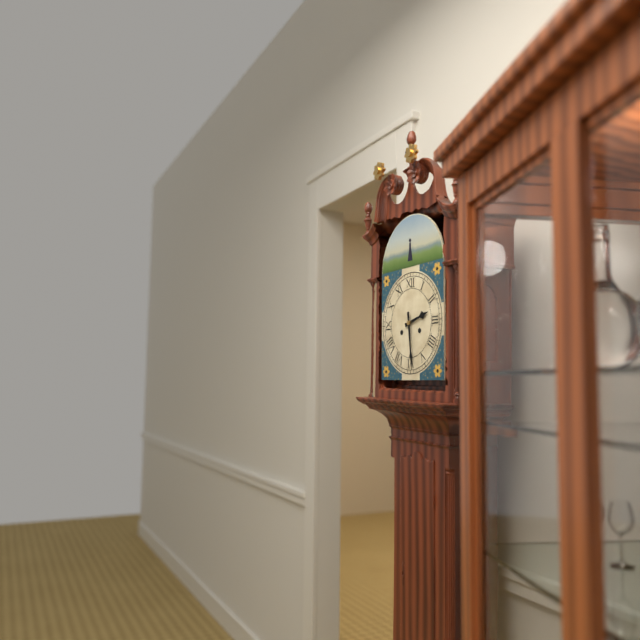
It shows {"hour": 2, "minute": 29}
